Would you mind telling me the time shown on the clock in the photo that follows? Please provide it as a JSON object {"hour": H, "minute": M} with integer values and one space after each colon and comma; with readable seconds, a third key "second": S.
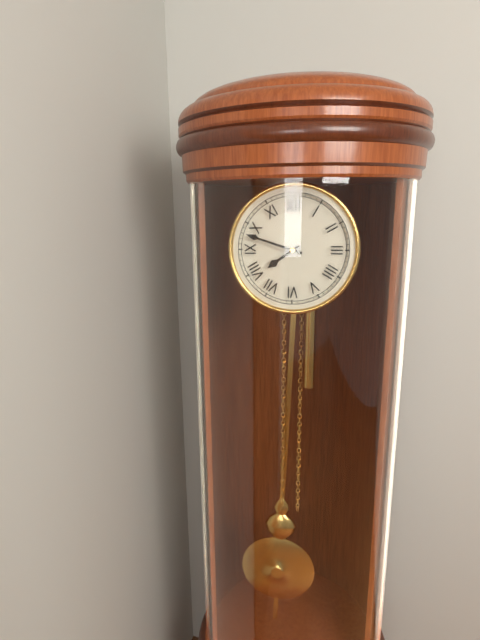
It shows {"hour": 7, "minute": 48}
